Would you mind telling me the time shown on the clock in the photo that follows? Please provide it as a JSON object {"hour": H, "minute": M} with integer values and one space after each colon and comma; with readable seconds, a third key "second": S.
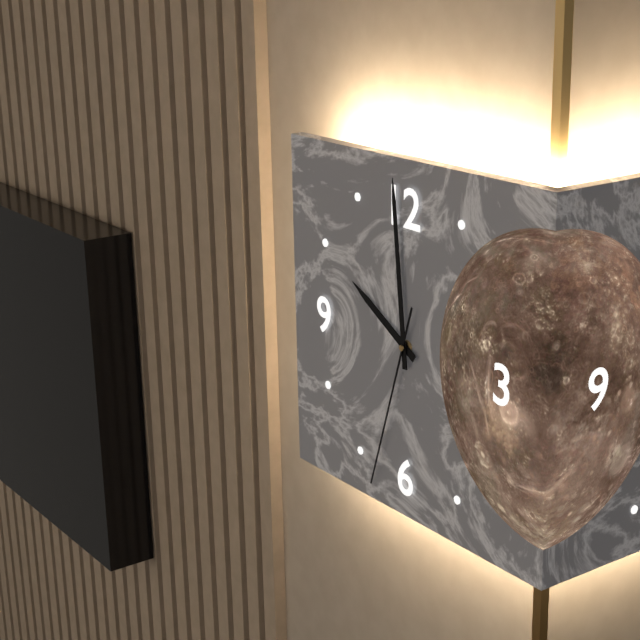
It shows {"hour": 9, "minute": 59, "second": 33}
